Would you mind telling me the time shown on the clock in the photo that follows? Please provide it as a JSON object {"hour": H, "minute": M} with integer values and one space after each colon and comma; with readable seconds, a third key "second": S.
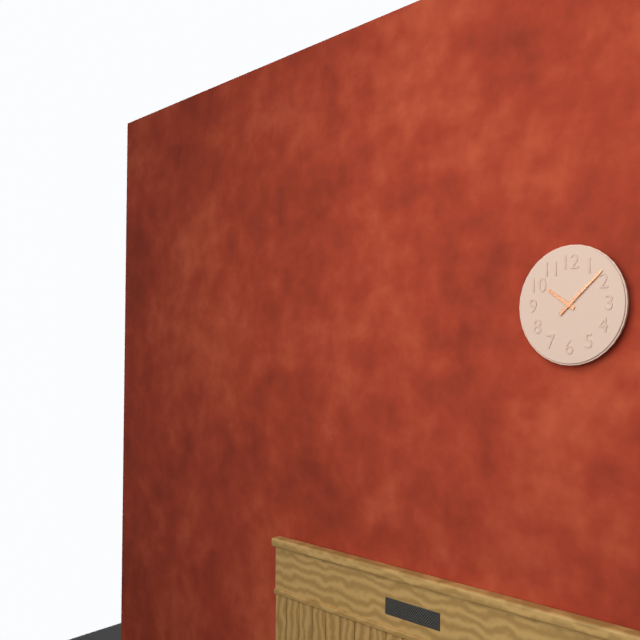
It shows {"hour": 10, "minute": 8}
